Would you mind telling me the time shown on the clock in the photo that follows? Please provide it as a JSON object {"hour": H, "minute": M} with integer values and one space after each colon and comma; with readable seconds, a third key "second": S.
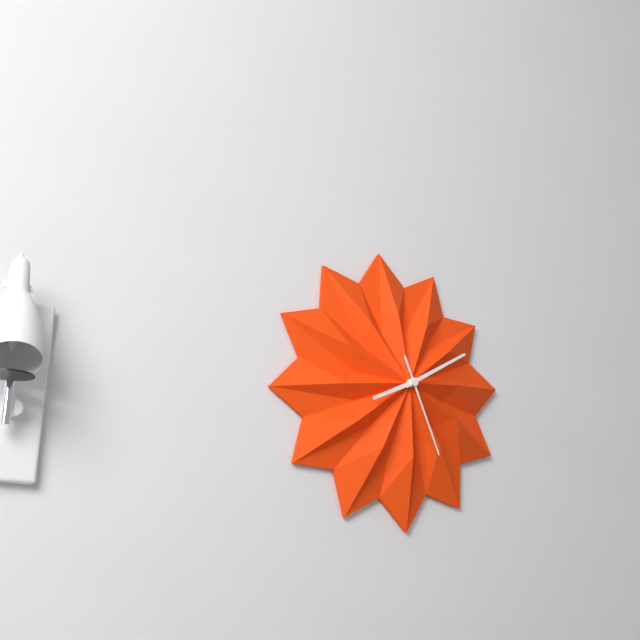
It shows {"hour": 8, "minute": 10, "second": 26}
